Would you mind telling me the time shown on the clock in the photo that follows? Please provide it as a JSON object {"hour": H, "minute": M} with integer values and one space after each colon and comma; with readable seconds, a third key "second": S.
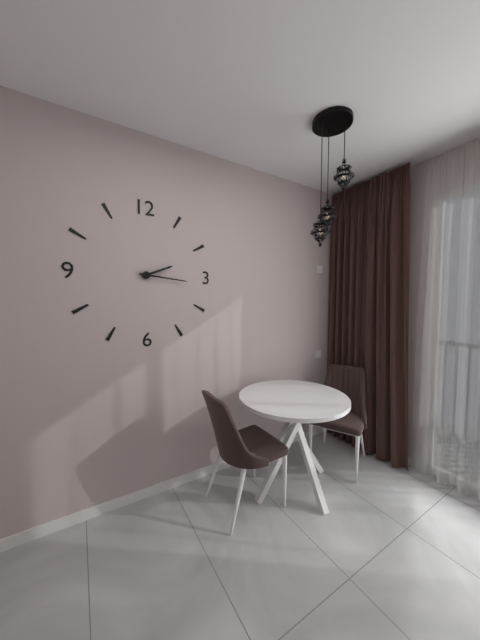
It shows {"hour": 2, "minute": 16}
